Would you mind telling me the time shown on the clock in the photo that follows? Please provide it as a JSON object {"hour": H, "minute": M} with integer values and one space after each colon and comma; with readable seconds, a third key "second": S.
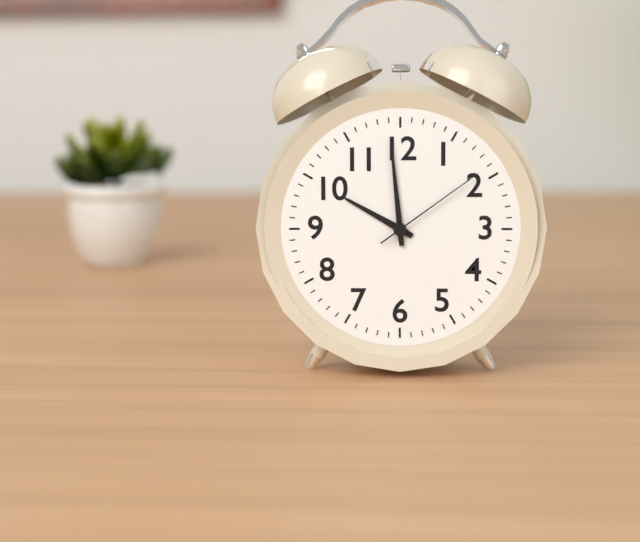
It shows {"hour": 9, "minute": 59, "second": 9}
